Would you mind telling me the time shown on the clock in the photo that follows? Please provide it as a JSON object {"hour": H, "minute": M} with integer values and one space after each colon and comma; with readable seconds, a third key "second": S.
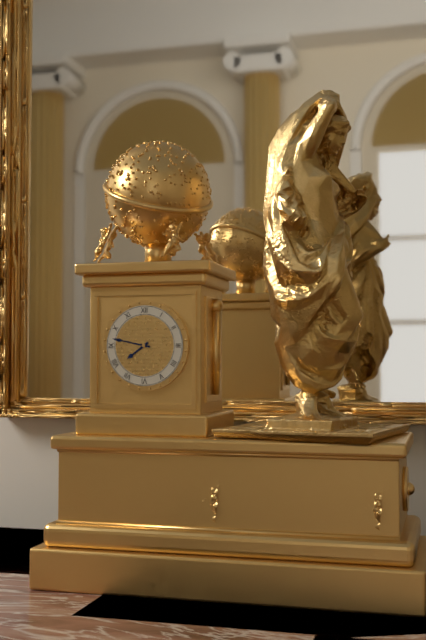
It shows {"hour": 7, "minute": 47}
